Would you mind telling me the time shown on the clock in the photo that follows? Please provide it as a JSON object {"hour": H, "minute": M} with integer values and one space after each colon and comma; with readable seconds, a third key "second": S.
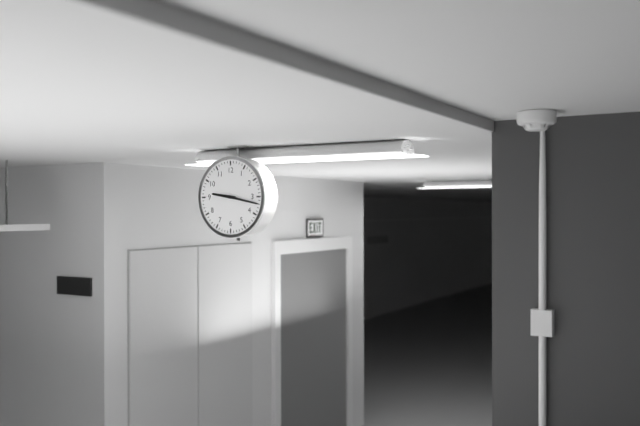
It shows {"hour": 9, "minute": 17}
